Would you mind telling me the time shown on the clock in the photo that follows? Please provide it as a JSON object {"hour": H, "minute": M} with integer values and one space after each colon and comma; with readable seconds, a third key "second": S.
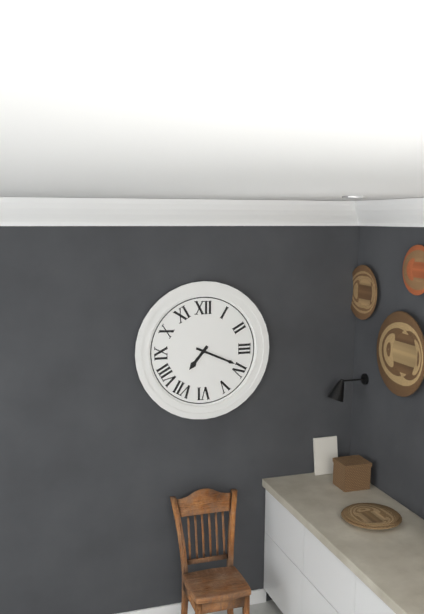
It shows {"hour": 7, "minute": 19}
